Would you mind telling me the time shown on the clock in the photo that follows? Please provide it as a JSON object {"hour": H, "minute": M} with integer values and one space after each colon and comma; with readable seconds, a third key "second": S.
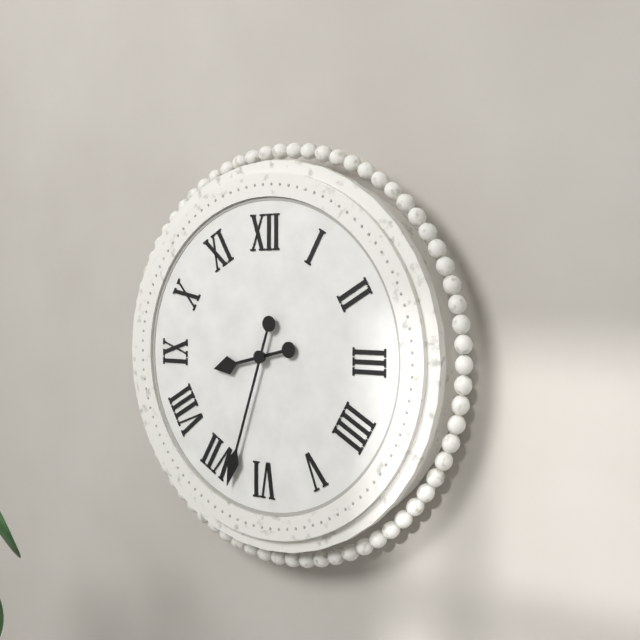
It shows {"hour": 8, "minute": 33}
